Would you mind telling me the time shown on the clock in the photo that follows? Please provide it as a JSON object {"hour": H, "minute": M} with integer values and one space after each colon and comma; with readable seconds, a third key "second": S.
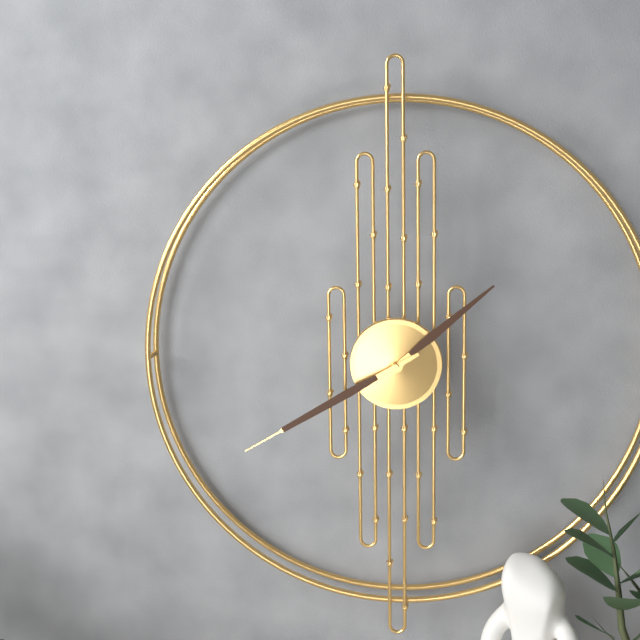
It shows {"hour": 1, "minute": 40}
